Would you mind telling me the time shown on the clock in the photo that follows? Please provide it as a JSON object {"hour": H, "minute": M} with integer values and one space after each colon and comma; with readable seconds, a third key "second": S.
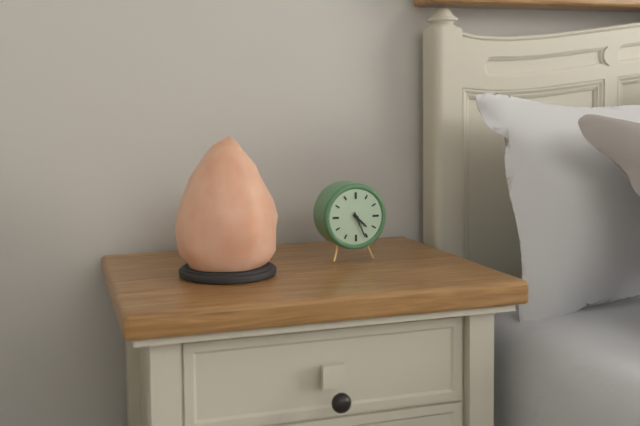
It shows {"hour": 4, "minute": 26}
